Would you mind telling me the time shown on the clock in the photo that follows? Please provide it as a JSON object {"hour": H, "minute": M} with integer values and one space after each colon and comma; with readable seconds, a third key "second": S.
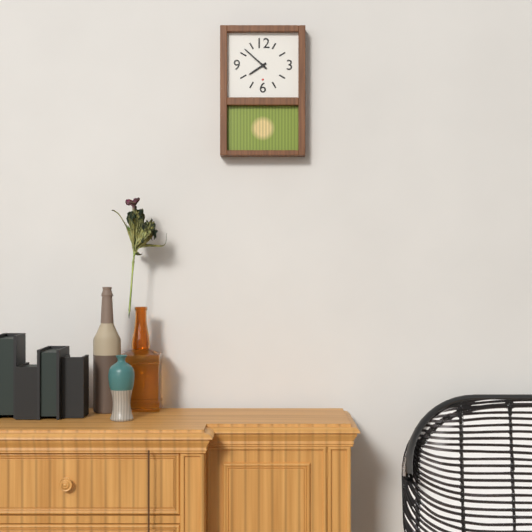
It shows {"hour": 7, "minute": 52}
